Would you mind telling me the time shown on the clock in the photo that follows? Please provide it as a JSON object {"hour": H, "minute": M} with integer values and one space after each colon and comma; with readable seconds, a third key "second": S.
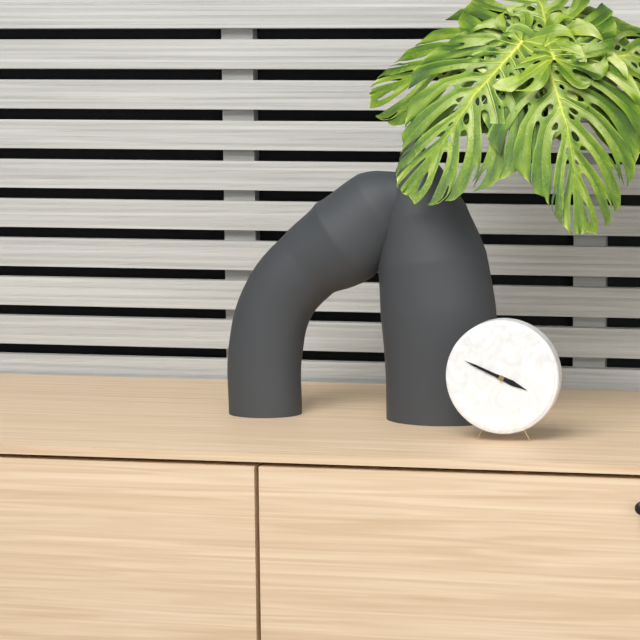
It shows {"hour": 3, "minute": 49}
